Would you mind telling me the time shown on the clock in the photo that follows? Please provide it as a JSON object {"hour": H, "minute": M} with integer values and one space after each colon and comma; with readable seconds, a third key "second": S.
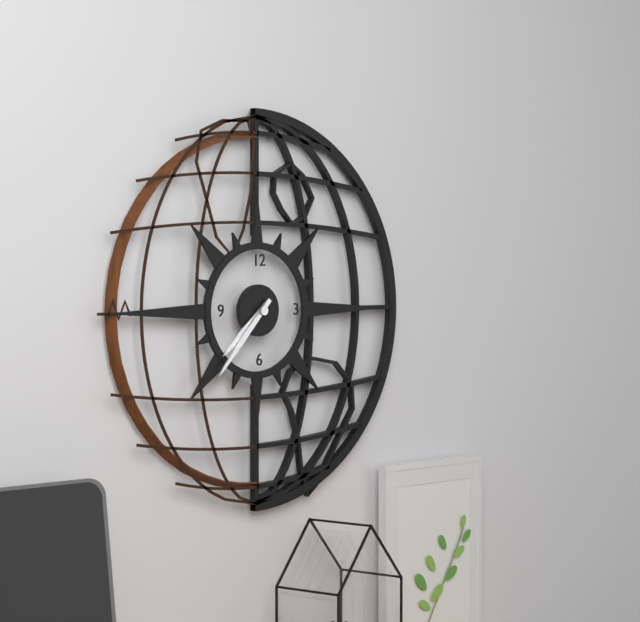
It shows {"hour": 7, "minute": 37}
